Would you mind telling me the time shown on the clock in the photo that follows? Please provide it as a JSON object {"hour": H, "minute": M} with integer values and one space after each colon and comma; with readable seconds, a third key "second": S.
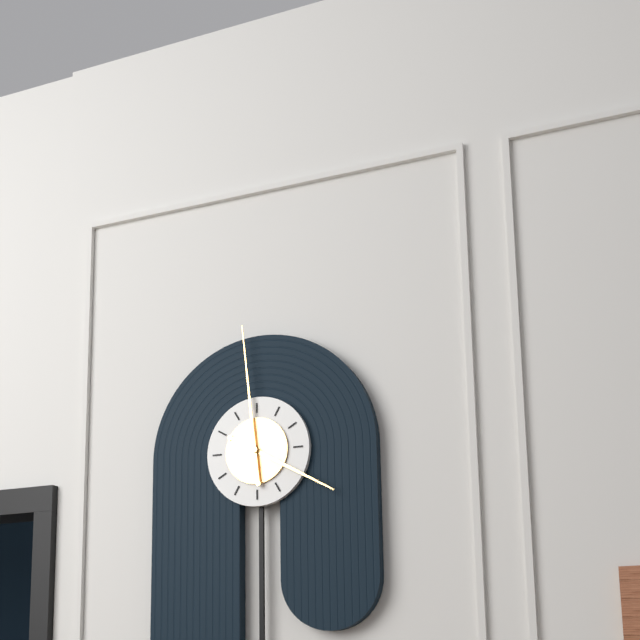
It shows {"hour": 3, "minute": 59}
